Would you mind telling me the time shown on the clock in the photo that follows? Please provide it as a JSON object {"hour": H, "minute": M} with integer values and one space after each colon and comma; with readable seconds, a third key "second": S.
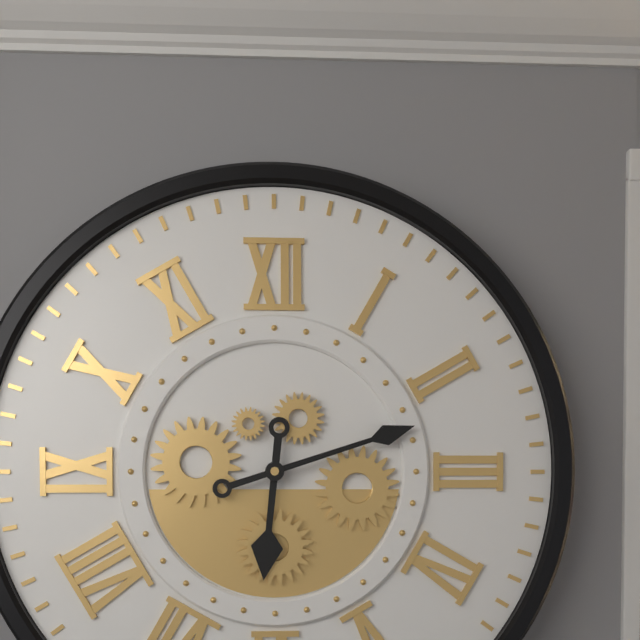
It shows {"hour": 6, "minute": 12}
